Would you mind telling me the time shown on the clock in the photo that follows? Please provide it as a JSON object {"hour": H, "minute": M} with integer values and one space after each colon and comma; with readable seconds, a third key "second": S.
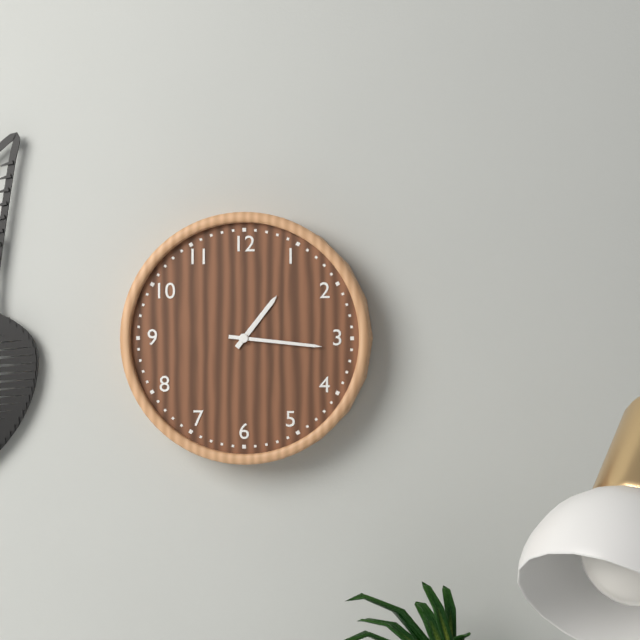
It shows {"hour": 1, "minute": 16}
